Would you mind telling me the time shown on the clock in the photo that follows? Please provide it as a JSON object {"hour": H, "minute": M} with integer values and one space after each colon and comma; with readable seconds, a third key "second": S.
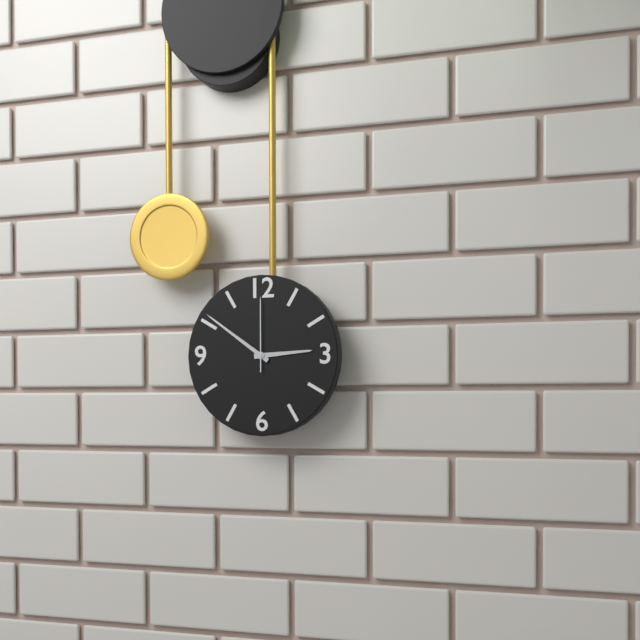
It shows {"hour": 2, "minute": 51, "second": 0}
